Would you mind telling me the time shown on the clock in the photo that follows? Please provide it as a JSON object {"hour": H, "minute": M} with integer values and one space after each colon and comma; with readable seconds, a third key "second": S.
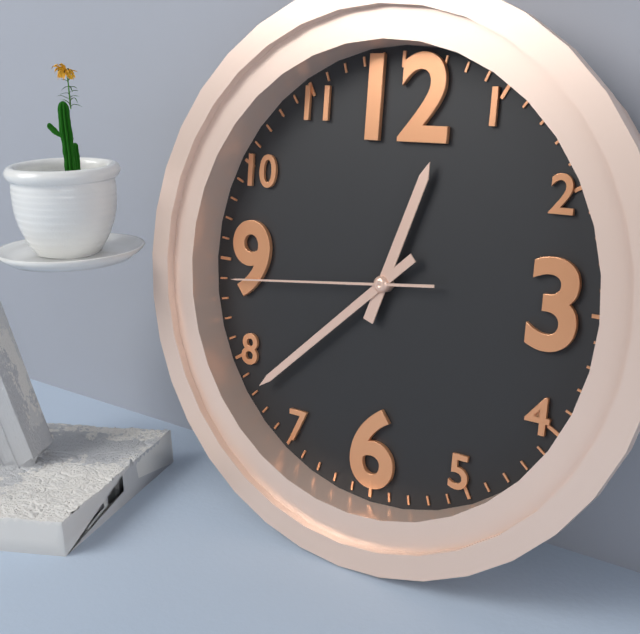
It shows {"hour": 12, "minute": 38, "second": 44}
